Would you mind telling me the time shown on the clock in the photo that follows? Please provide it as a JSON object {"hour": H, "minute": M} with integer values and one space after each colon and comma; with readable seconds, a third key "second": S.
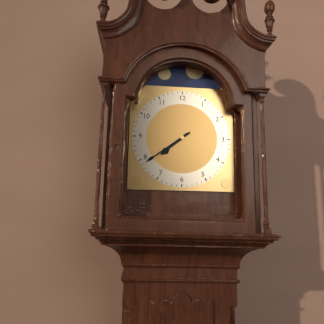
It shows {"hour": 7, "minute": 39}
